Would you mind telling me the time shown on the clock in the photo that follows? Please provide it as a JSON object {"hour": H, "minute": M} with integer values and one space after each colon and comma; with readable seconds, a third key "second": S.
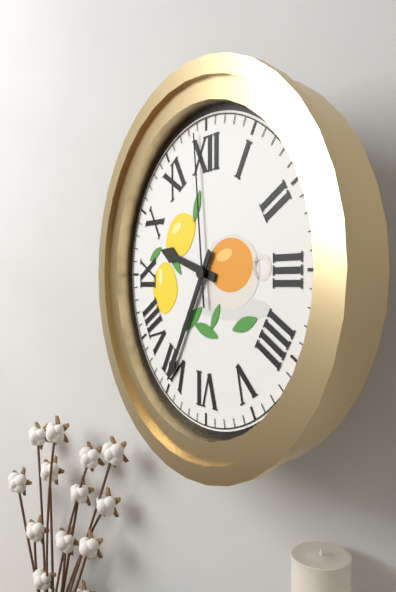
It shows {"hour": 9, "minute": 35, "second": 59}
